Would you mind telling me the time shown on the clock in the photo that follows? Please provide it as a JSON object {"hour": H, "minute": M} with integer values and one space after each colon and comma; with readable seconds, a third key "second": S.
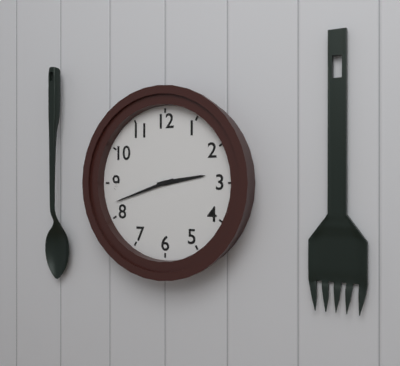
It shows {"hour": 2, "minute": 42}
